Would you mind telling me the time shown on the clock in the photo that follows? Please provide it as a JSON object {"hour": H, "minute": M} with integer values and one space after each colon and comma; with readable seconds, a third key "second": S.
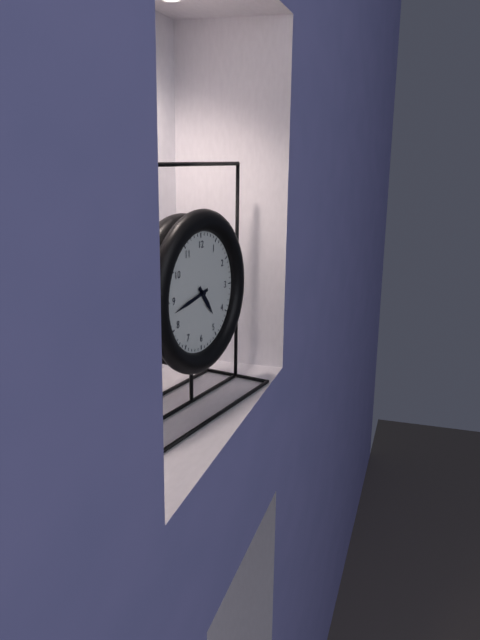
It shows {"hour": 4, "minute": 43}
